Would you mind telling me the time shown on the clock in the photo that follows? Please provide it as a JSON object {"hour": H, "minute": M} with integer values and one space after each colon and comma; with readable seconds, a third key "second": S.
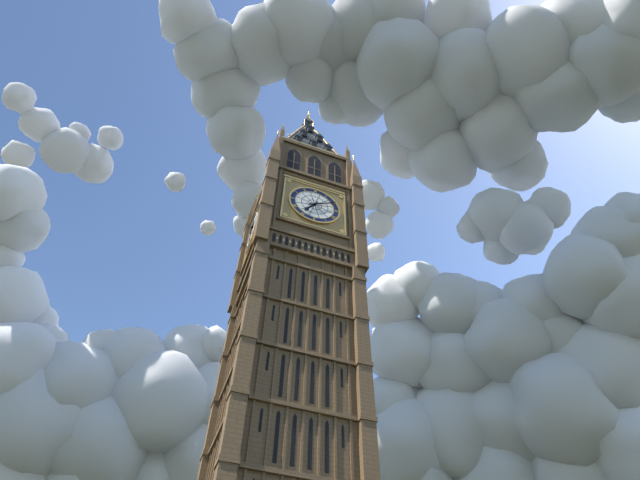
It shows {"hour": 7, "minute": 10}
